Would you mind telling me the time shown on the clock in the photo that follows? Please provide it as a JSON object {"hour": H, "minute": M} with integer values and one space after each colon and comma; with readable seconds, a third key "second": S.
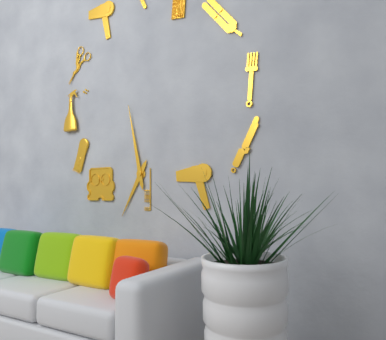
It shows {"hour": 6, "minute": 58}
